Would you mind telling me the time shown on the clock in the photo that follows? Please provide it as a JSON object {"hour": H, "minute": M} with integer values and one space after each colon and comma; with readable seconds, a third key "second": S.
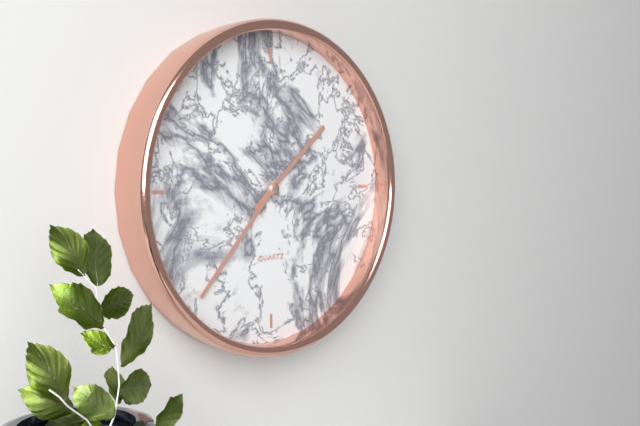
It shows {"hour": 1, "minute": 37}
